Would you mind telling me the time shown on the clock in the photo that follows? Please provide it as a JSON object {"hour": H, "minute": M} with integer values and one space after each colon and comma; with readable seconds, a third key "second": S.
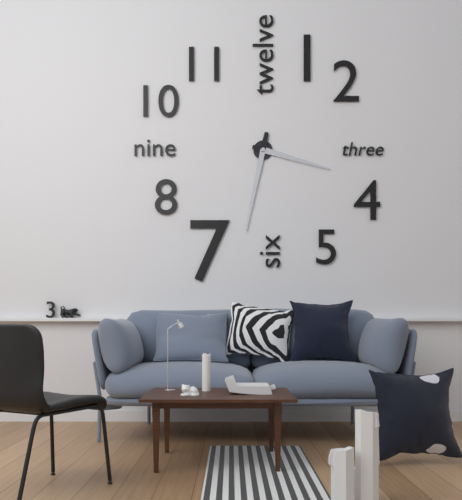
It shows {"hour": 3, "minute": 32}
